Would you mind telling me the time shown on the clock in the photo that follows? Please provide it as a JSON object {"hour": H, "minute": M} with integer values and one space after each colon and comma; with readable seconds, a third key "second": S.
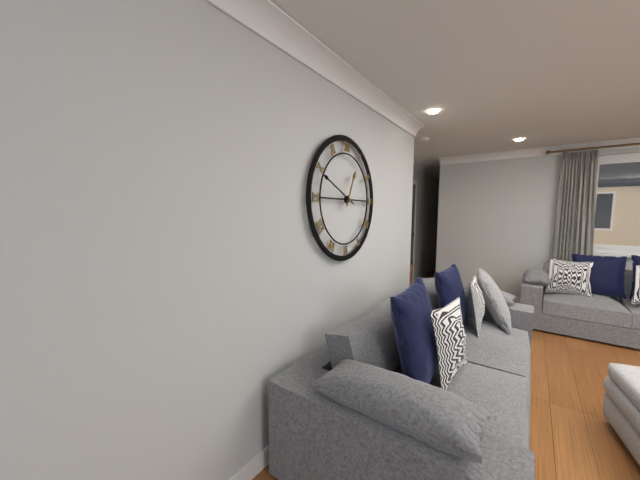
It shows {"hour": 12, "minute": 49}
